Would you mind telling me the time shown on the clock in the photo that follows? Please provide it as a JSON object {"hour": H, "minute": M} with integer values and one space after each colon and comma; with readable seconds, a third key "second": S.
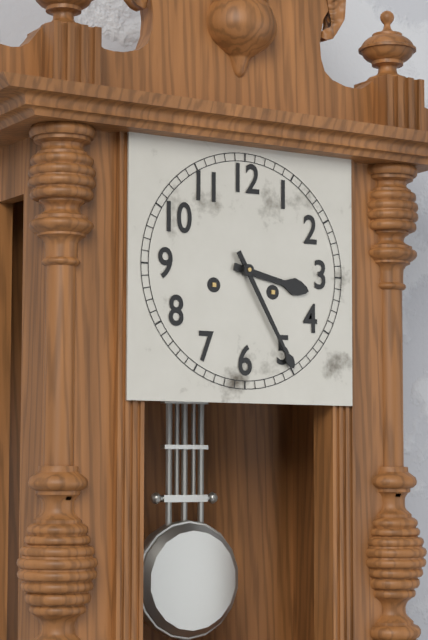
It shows {"hour": 3, "minute": 25}
